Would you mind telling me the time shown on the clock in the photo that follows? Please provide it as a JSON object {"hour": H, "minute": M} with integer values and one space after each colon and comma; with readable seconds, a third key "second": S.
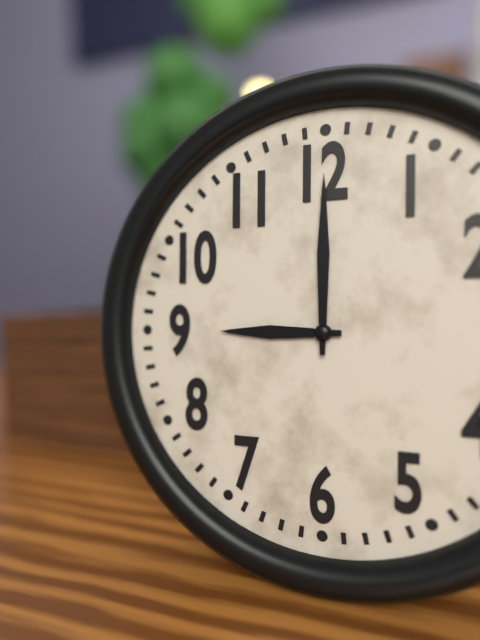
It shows {"hour": 9, "minute": 0}
